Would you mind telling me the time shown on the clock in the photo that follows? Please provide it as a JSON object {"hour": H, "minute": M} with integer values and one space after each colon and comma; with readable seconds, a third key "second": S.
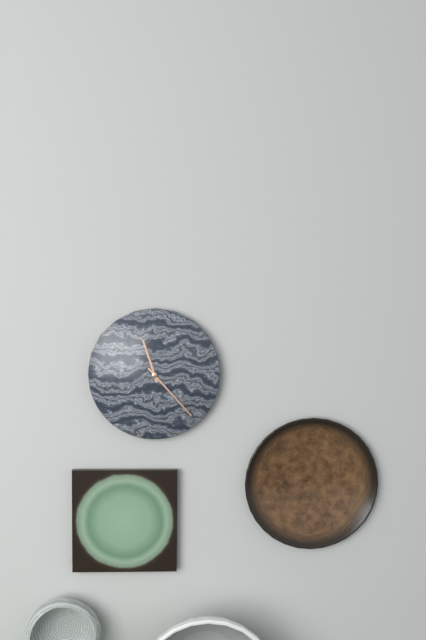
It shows {"hour": 11, "minute": 23}
